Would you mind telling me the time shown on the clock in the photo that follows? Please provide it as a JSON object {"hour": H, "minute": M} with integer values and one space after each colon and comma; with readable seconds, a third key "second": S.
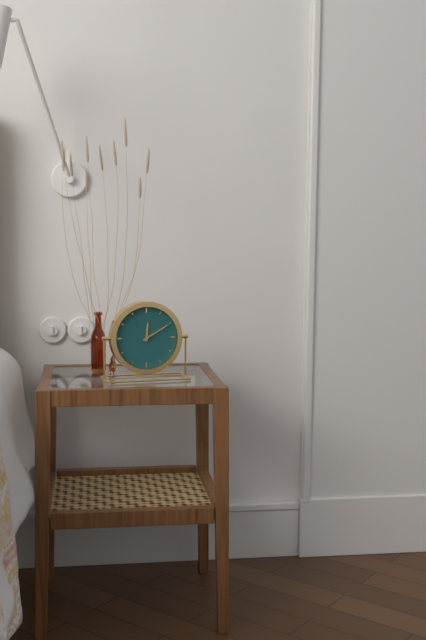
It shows {"hour": 12, "minute": 10}
